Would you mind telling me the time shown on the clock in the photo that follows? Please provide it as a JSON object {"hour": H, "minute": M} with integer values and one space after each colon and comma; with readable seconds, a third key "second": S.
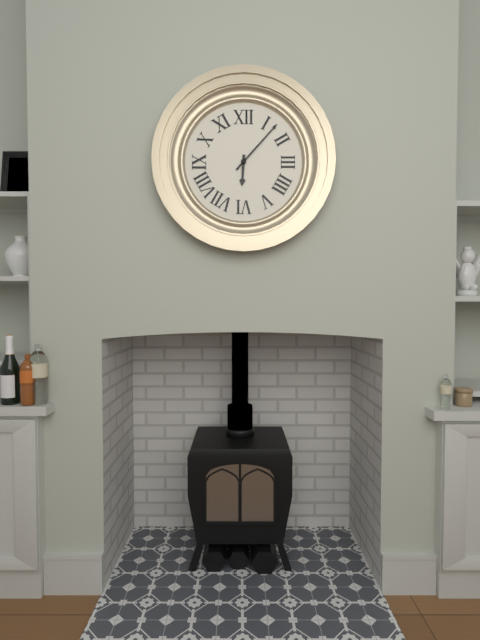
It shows {"hour": 6, "minute": 7}
